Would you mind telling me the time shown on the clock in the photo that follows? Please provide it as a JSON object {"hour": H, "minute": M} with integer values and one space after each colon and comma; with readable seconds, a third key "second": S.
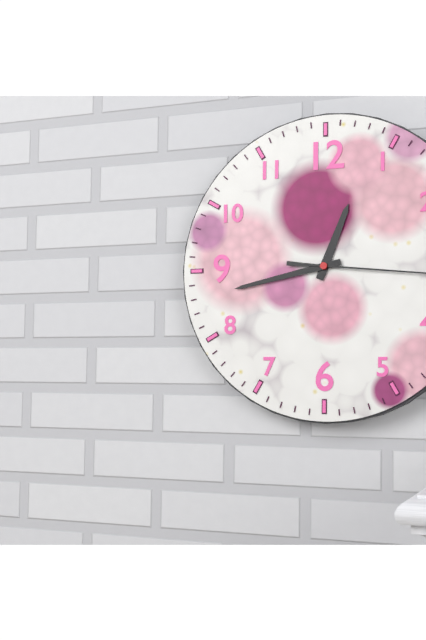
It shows {"hour": 12, "minute": 43}
